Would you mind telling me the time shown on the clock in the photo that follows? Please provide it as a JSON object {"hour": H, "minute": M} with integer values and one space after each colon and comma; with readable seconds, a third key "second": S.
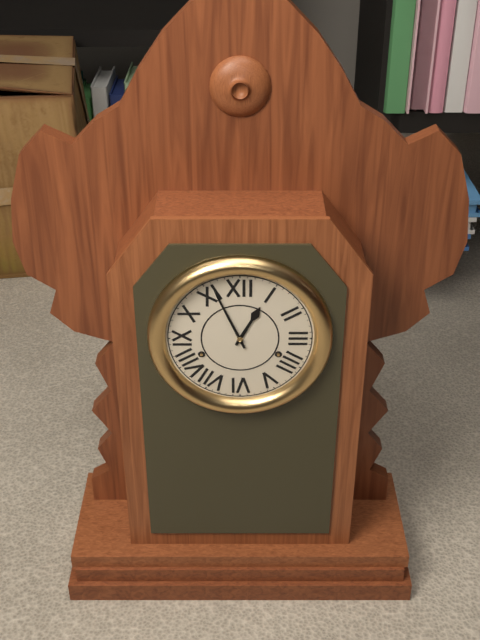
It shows {"hour": 12, "minute": 56}
